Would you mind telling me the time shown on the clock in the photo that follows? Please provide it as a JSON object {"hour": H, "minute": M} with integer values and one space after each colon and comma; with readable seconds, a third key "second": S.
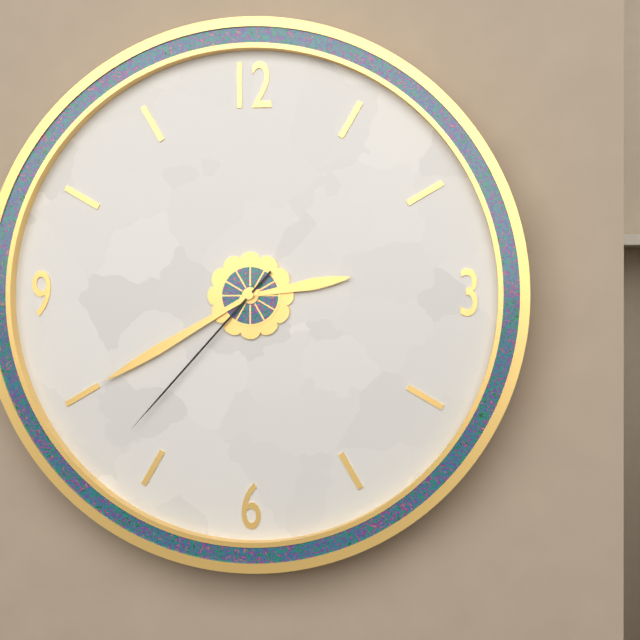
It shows {"hour": 2, "minute": 40, "second": 37}
